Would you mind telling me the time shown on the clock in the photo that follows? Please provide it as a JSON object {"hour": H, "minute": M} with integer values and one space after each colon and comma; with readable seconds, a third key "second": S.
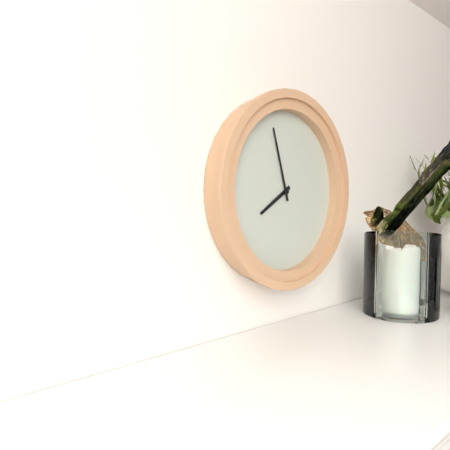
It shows {"hour": 7, "minute": 57}
